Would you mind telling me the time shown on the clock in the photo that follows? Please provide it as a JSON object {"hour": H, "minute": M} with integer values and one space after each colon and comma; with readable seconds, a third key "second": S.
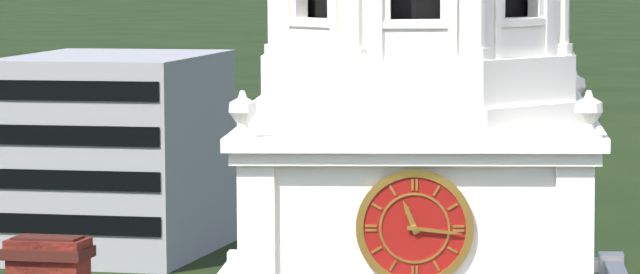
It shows {"hour": 11, "minute": 16}
